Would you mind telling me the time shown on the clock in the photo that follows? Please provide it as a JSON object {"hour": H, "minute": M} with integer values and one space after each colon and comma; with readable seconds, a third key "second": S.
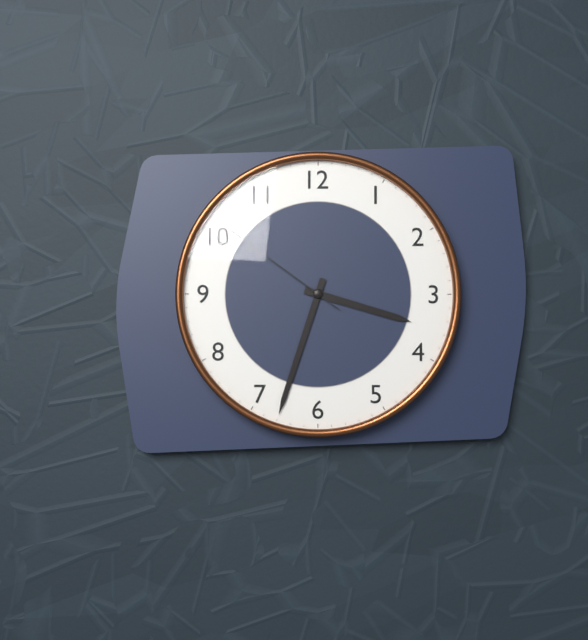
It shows {"hour": 3, "minute": 33, "second": 51}
